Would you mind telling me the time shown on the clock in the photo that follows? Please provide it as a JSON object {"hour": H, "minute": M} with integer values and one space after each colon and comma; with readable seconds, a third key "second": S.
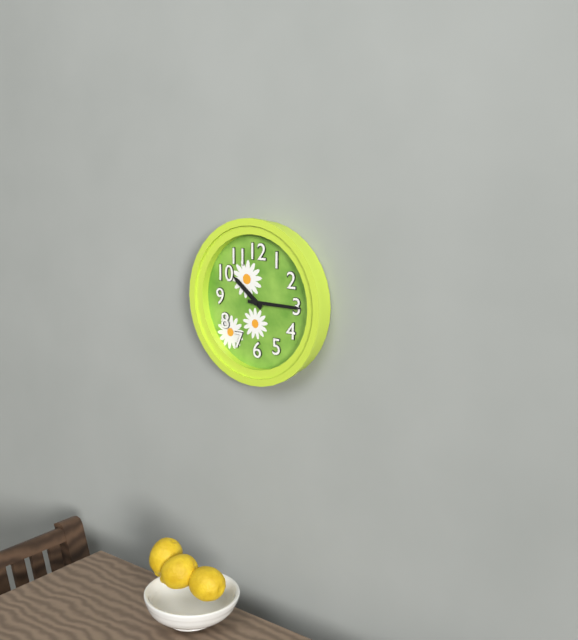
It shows {"hour": 10, "minute": 15}
